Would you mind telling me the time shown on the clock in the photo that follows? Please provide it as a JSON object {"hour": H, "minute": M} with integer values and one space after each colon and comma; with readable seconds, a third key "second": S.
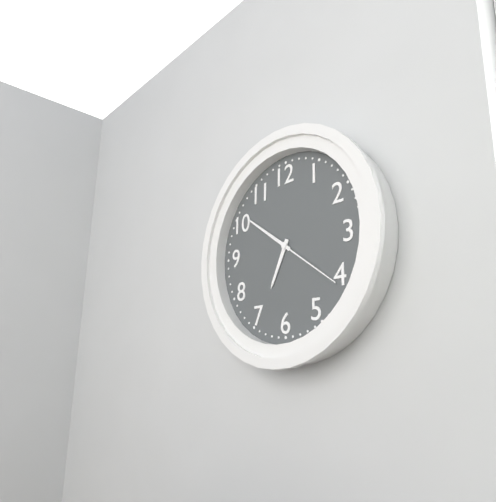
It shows {"hour": 6, "minute": 51, "second": 21}
